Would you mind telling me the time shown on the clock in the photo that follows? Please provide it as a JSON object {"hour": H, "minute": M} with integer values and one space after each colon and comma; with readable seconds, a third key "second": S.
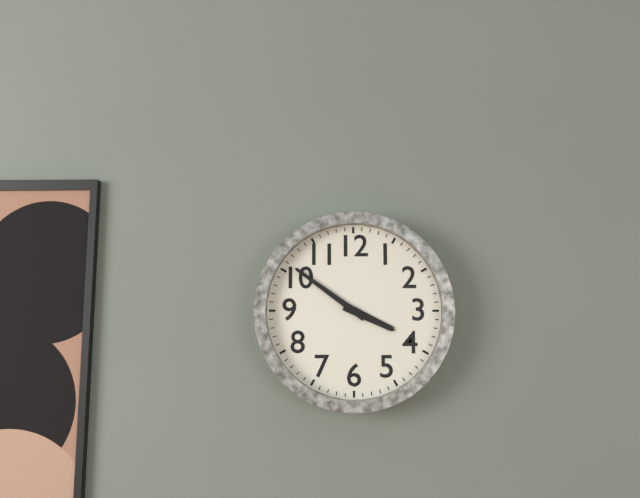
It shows {"hour": 3, "minute": 51}
